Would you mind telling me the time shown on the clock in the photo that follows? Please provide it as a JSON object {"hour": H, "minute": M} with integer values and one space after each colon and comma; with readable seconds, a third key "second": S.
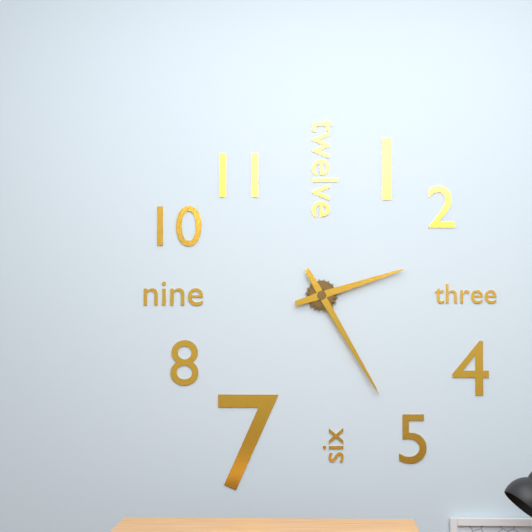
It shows {"hour": 2, "minute": 25}
